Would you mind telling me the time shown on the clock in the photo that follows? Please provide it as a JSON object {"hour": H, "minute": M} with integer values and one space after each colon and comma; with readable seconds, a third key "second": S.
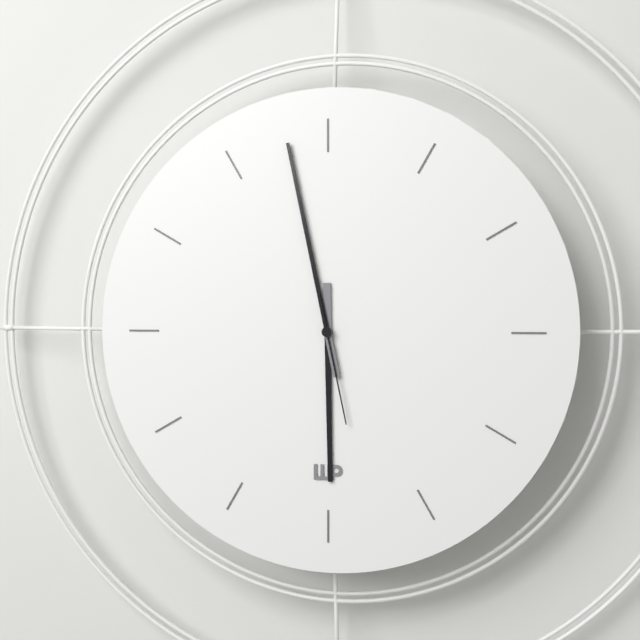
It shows {"hour": 5, "minute": 58, "second": 28}
